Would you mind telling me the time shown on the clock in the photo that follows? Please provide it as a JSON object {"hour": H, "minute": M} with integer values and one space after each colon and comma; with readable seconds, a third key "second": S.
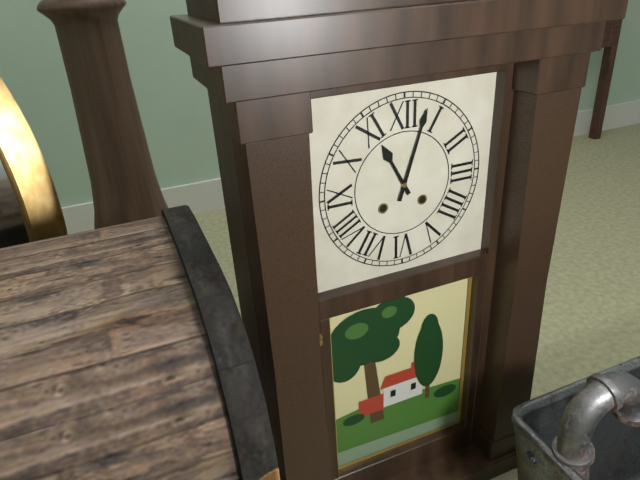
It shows {"hour": 11, "minute": 3}
